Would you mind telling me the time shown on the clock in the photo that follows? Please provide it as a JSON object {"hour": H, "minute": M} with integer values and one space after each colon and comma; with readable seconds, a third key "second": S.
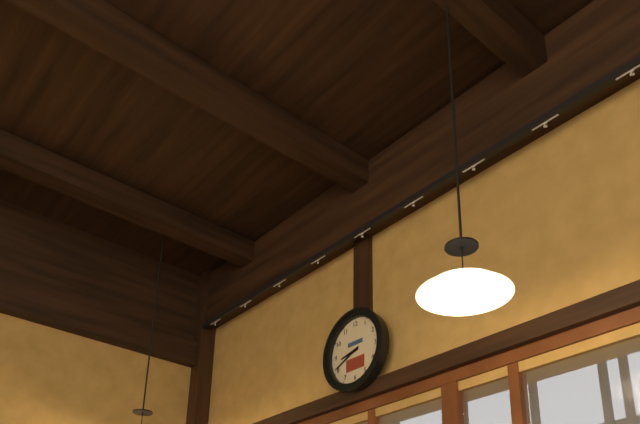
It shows {"hour": 8, "minute": 41}
